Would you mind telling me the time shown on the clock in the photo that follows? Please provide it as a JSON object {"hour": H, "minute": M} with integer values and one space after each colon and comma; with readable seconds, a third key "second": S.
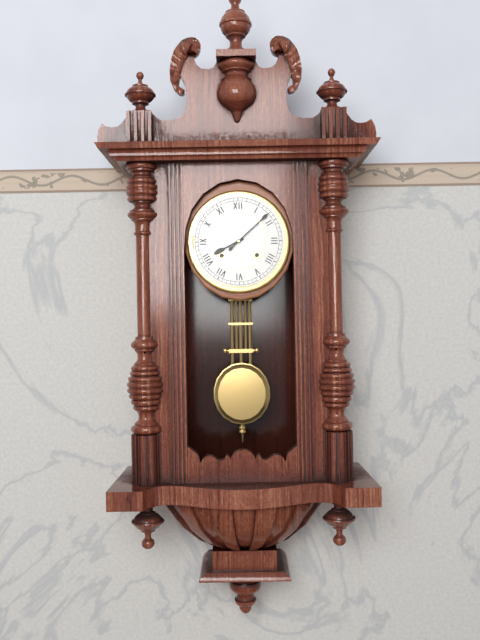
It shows {"hour": 8, "minute": 8}
